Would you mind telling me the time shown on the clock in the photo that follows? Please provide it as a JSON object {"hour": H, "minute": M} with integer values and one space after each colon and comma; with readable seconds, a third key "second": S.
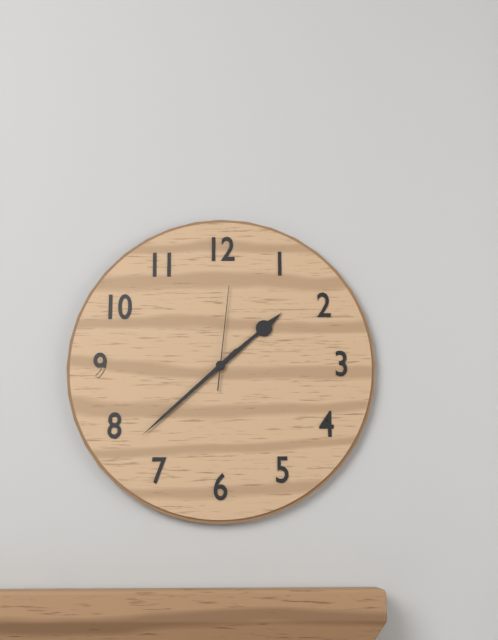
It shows {"hour": 1, "minute": 38, "second": 1}
